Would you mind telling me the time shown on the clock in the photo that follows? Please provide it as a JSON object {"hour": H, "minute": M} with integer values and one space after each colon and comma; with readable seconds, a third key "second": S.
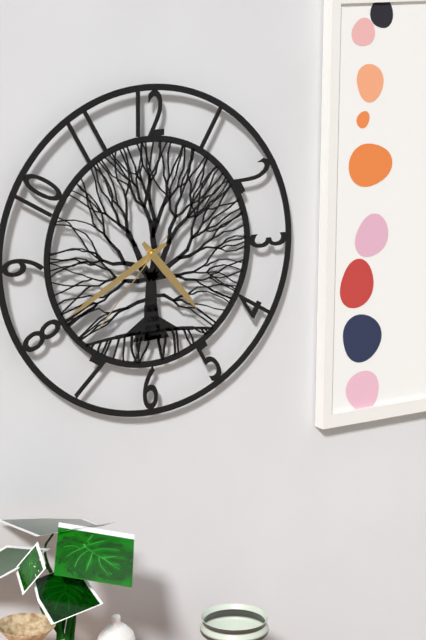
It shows {"hour": 4, "minute": 40, "second": 37}
